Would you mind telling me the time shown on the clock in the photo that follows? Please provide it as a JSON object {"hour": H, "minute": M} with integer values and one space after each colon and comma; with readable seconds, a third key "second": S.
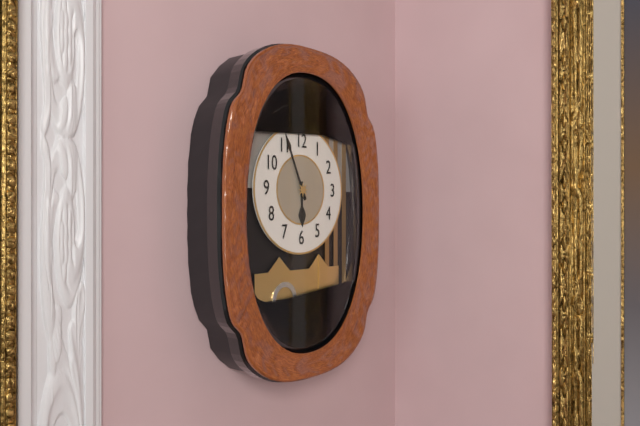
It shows {"hour": 5, "minute": 56}
